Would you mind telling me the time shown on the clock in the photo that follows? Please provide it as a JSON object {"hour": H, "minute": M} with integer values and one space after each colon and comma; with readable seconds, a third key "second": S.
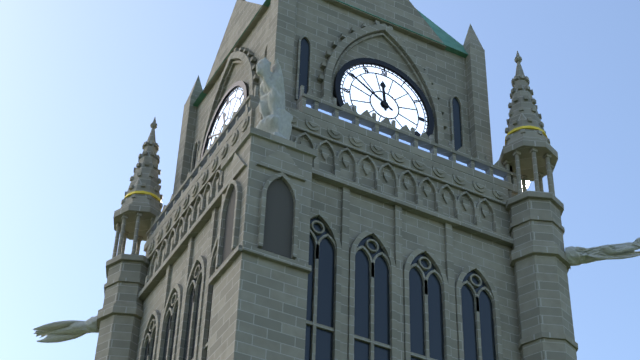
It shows {"hour": 11, "minute": 50}
